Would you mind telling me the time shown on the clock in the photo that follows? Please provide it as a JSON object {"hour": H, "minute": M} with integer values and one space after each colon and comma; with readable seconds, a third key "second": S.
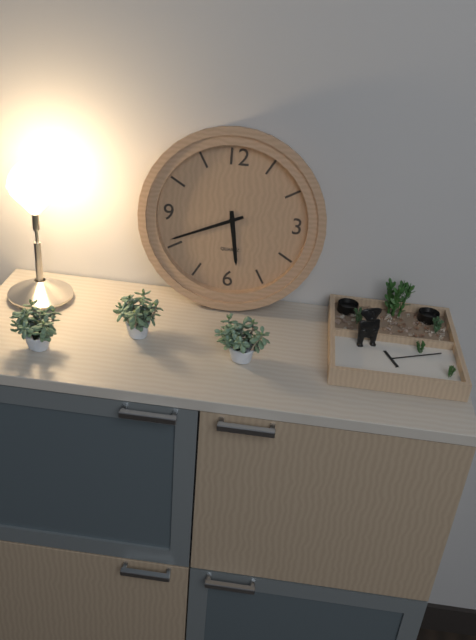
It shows {"hour": 5, "minute": 41}
